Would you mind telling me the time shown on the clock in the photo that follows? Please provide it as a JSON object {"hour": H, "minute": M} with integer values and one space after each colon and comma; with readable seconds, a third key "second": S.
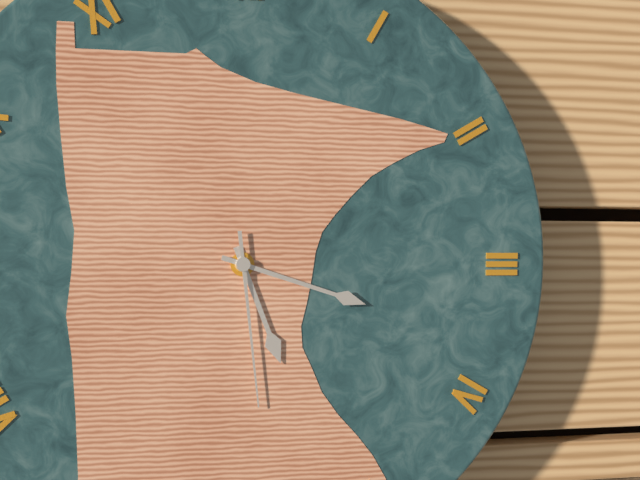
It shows {"hour": 5, "minute": 18, "second": 29}
